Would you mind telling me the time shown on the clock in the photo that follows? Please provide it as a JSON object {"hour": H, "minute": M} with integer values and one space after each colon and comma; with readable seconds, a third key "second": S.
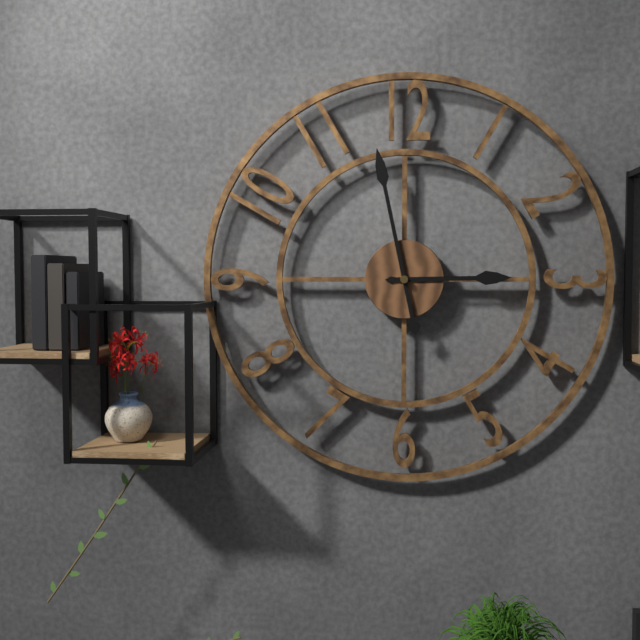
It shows {"hour": 2, "minute": 58}
